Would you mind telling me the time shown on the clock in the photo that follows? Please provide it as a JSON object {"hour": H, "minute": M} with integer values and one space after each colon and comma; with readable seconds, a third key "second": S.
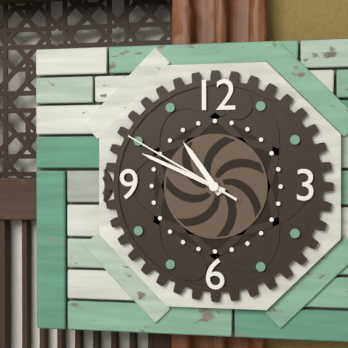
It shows {"hour": 10, "minute": 49, "second": 50}
